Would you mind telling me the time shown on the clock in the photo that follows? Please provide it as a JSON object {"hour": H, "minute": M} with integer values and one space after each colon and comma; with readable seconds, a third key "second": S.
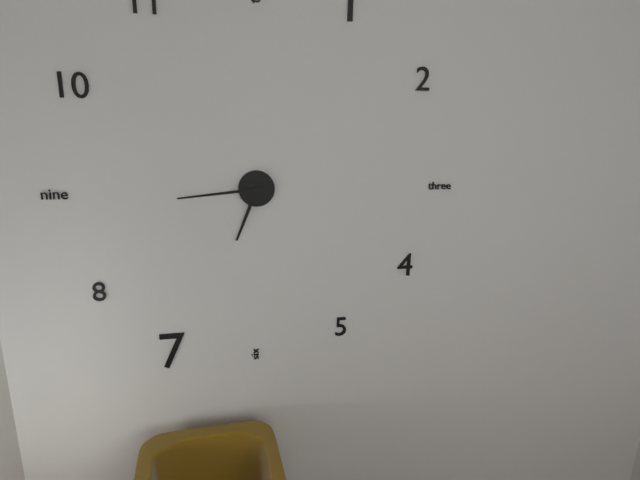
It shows {"hour": 6, "minute": 44}
